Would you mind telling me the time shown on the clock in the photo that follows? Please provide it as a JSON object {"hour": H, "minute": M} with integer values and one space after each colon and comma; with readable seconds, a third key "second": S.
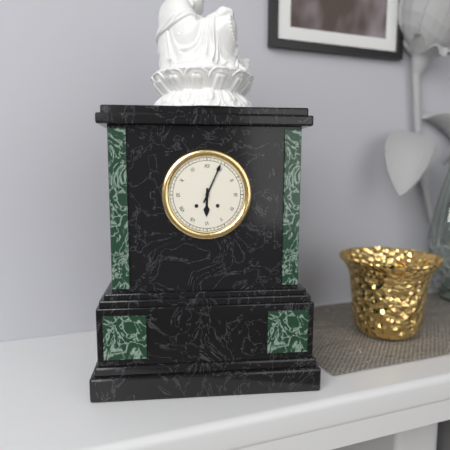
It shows {"hour": 6, "minute": 4}
